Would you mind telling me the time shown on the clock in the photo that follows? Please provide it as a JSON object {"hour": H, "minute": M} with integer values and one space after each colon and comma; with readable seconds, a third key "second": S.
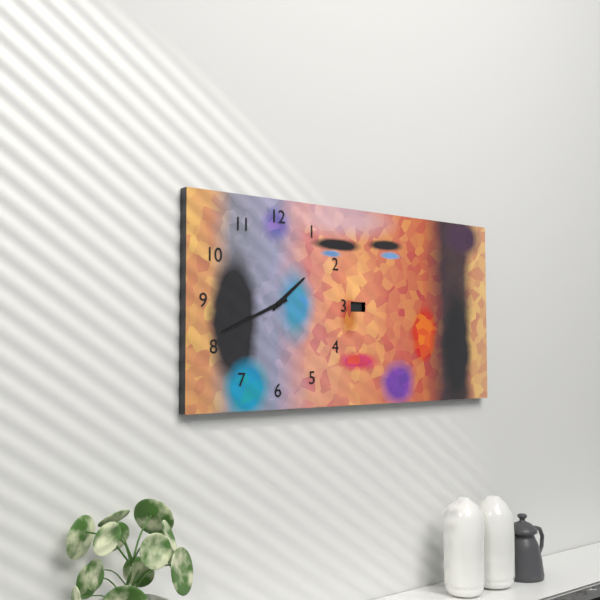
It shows {"hour": 1, "minute": 41}
